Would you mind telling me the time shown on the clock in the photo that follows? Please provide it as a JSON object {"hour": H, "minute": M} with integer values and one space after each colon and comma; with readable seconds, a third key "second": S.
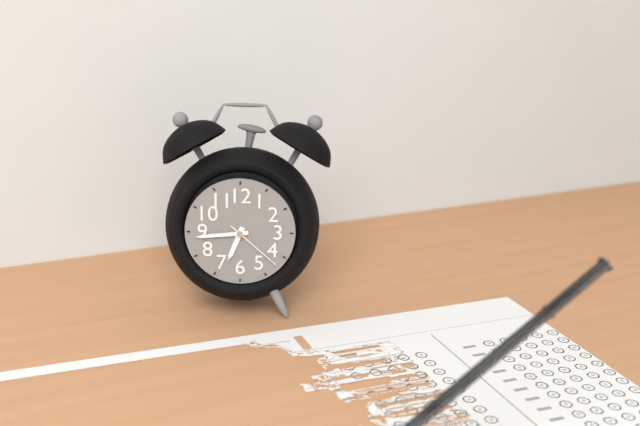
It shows {"hour": 6, "minute": 44, "second": 22}
